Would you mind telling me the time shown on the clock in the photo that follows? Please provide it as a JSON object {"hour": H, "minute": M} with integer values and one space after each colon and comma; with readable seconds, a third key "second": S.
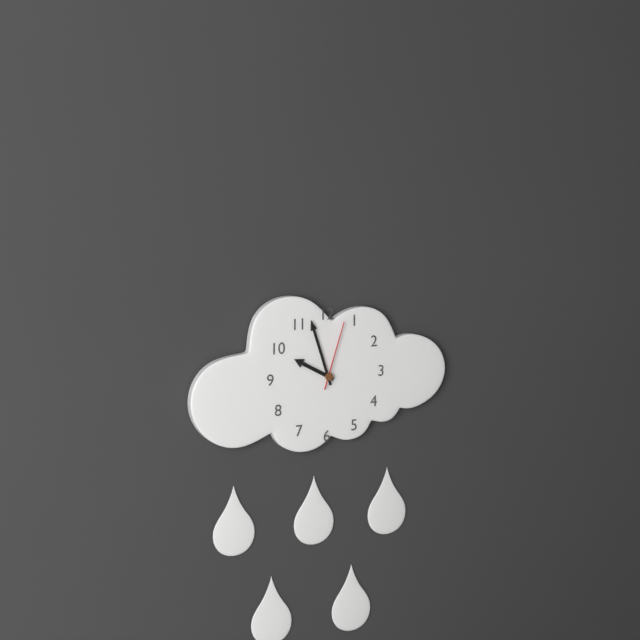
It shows {"hour": 9, "minute": 57, "second": 3}
